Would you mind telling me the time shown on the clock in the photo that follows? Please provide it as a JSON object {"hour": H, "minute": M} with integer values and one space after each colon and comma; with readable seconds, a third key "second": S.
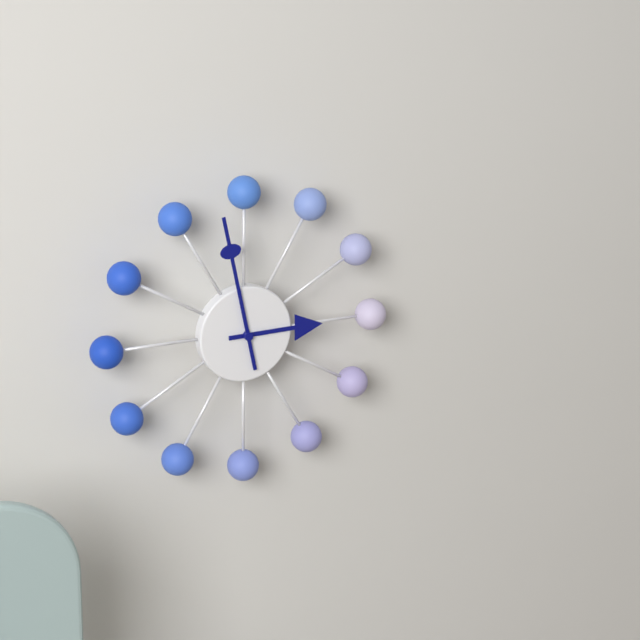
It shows {"hour": 2, "minute": 58}
